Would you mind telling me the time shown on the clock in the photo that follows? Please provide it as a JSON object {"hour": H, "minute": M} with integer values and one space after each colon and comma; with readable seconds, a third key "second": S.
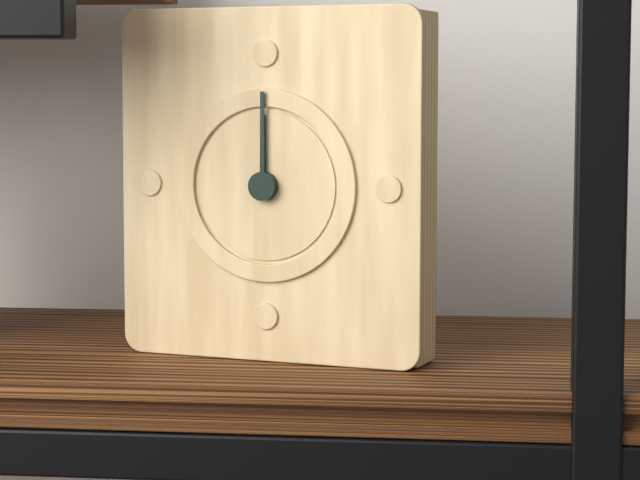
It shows {"hour": 12, "minute": 0}
